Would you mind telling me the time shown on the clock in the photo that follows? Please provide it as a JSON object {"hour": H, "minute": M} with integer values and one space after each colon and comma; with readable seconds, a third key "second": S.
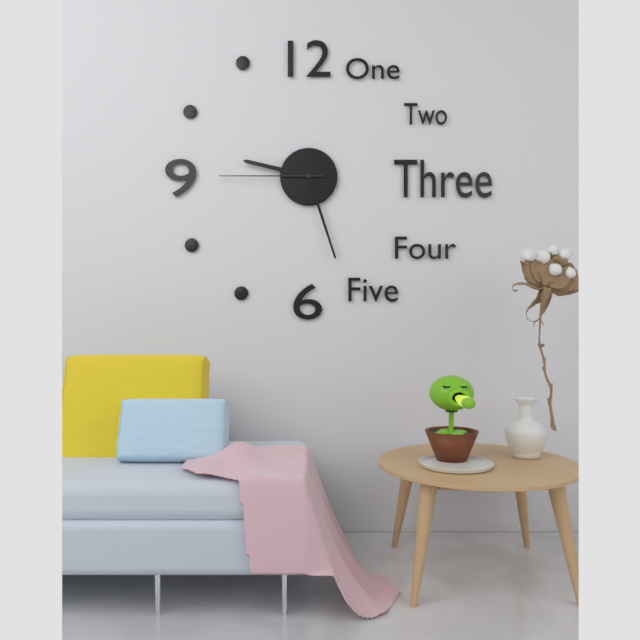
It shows {"hour": 9, "minute": 27, "second": 45}
